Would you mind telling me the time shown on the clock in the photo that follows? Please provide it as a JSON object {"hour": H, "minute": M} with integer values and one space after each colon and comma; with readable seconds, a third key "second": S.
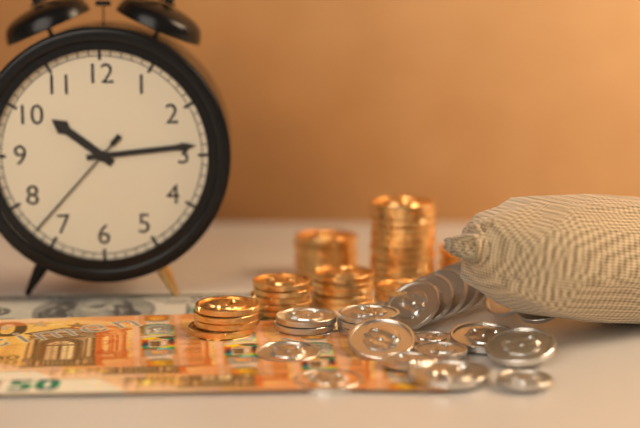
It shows {"hour": 10, "minute": 14, "second": 37}
